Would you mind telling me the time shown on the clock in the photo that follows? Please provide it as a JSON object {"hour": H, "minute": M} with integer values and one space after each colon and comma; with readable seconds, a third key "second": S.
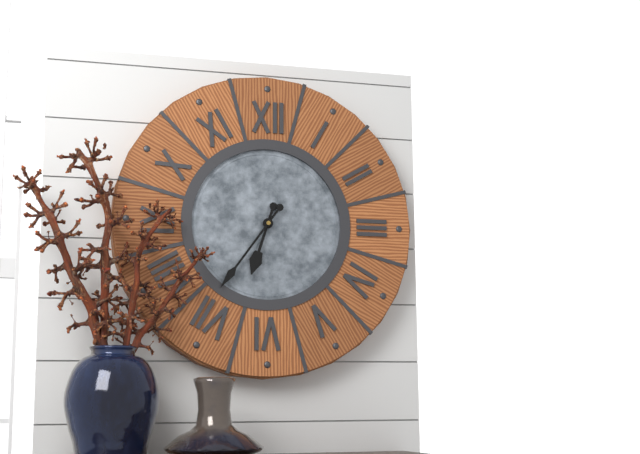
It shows {"hour": 6, "minute": 36}
